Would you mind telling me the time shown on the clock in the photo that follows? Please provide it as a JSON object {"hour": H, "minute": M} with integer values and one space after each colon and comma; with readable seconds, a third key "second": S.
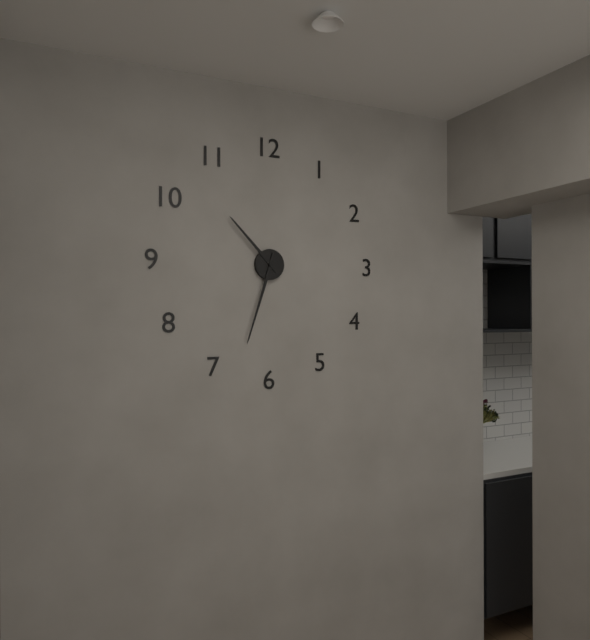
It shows {"hour": 10, "minute": 33}
